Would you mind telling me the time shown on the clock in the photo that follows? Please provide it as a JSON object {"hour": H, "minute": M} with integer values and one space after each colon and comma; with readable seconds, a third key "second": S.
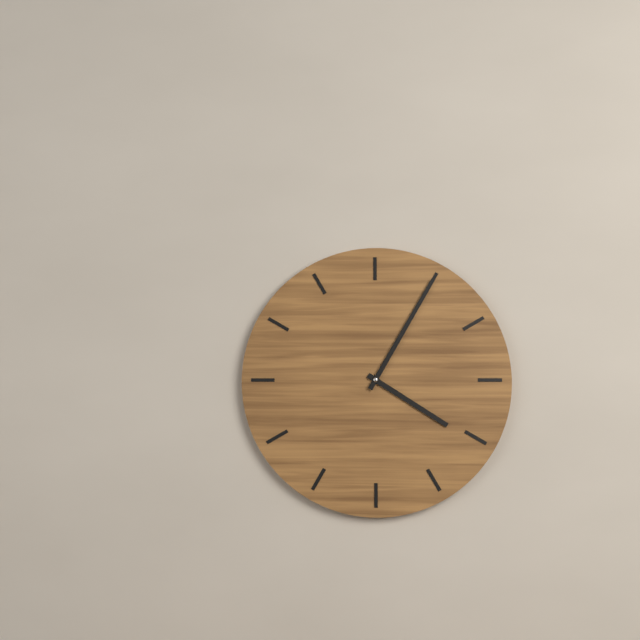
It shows {"hour": 4, "minute": 5}
